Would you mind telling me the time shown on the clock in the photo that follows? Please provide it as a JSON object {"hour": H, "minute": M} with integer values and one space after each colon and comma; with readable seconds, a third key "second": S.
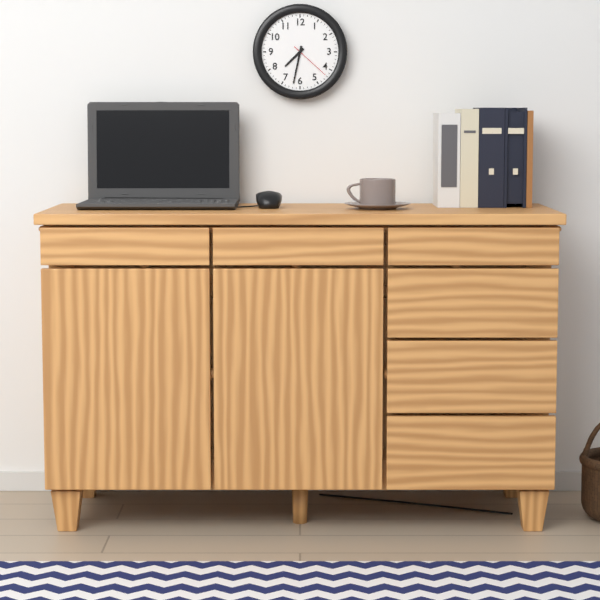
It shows {"hour": 7, "minute": 32}
